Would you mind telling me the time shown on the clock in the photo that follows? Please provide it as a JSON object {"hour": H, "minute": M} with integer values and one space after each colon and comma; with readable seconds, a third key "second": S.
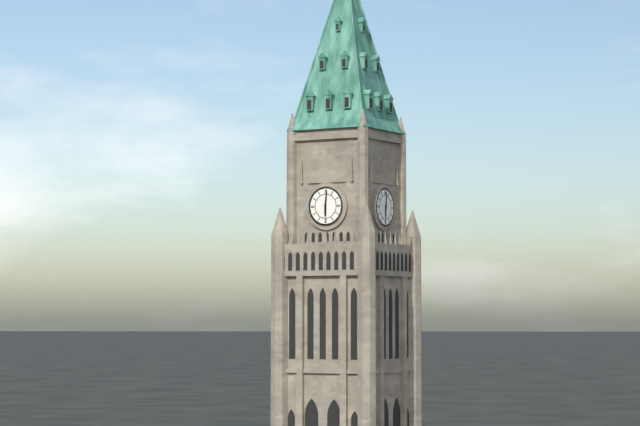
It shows {"hour": 6, "minute": 1}
